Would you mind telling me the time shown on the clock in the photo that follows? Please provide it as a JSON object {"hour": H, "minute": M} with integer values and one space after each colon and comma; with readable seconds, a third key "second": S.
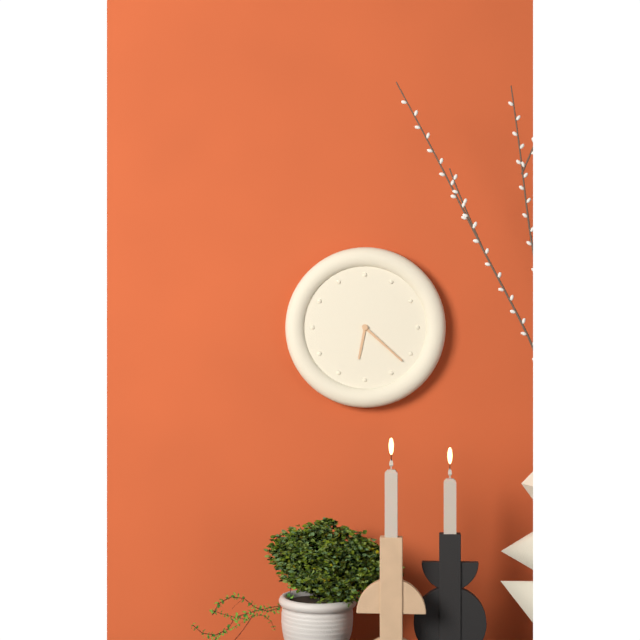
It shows {"hour": 6, "minute": 22}
